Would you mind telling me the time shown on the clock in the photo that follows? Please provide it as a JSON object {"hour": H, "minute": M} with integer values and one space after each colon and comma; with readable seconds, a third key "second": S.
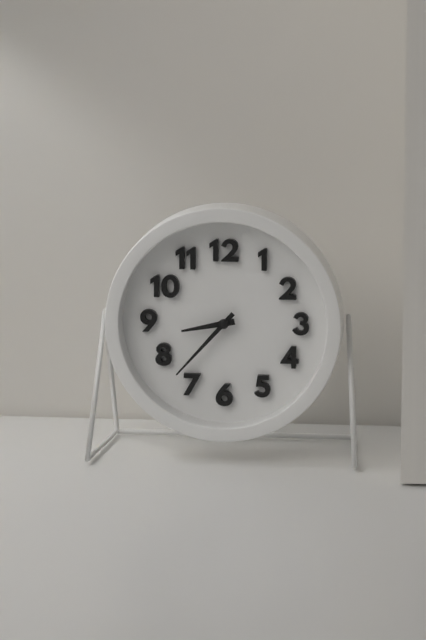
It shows {"hour": 8, "minute": 37}
